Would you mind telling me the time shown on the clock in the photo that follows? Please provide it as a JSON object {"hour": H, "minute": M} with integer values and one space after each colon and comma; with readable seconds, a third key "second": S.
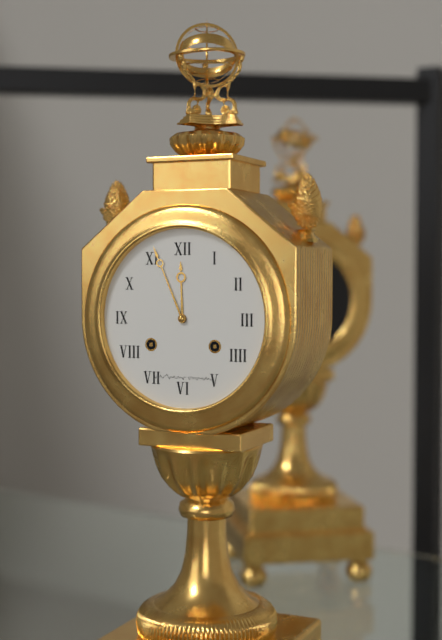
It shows {"hour": 11, "minute": 56}
